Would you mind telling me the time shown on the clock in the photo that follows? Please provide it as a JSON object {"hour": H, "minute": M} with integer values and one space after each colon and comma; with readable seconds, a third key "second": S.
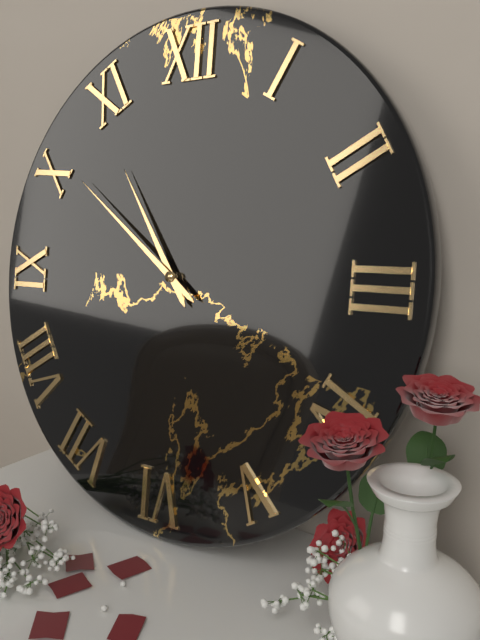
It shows {"hour": 10, "minute": 51}
